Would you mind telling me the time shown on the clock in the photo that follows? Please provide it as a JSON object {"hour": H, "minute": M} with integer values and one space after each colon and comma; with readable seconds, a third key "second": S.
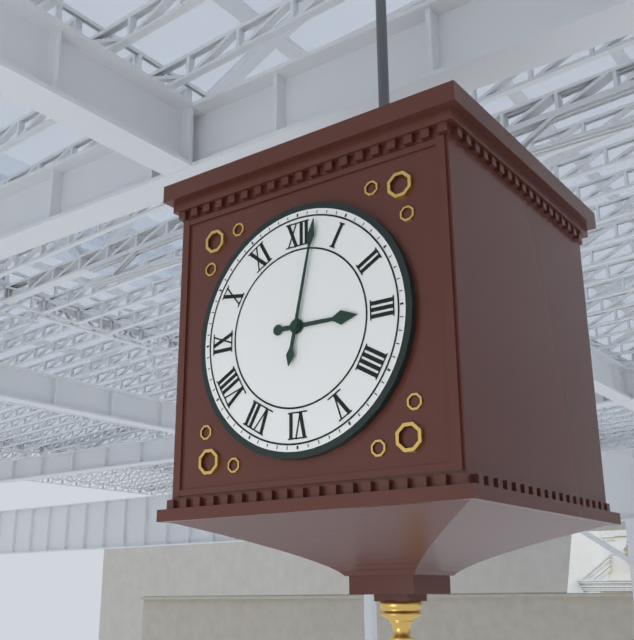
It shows {"hour": 3, "minute": 2}
